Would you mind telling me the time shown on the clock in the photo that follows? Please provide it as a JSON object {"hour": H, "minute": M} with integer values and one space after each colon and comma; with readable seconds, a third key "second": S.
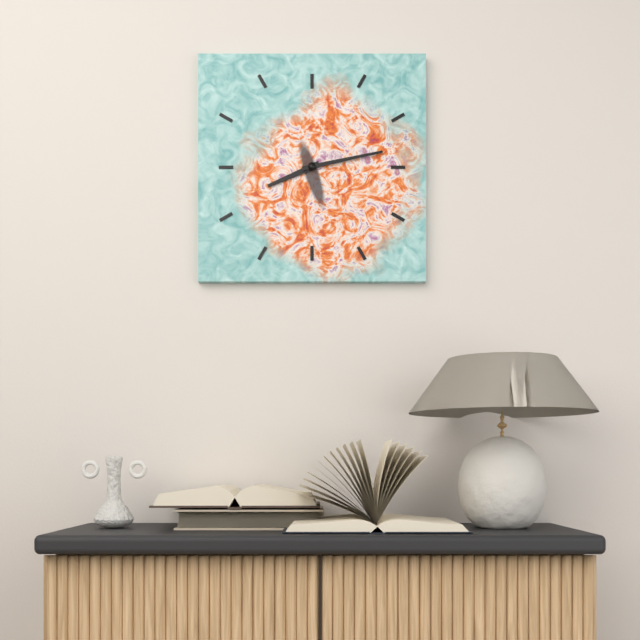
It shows {"hour": 8, "minute": 13}
